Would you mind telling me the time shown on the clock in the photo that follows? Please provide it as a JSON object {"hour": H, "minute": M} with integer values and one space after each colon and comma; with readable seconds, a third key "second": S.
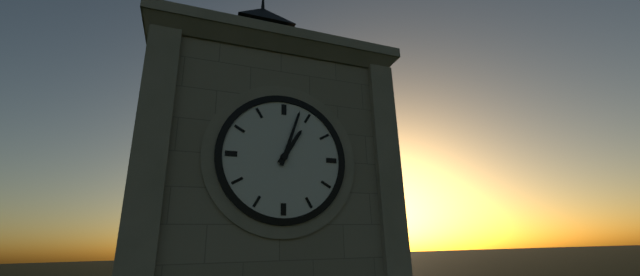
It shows {"hour": 1, "minute": 3}
